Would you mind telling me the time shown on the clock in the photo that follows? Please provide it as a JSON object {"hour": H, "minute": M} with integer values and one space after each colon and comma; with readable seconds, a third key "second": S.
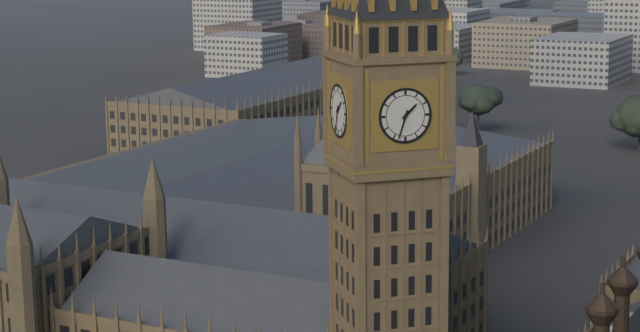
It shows {"hour": 1, "minute": 33}
